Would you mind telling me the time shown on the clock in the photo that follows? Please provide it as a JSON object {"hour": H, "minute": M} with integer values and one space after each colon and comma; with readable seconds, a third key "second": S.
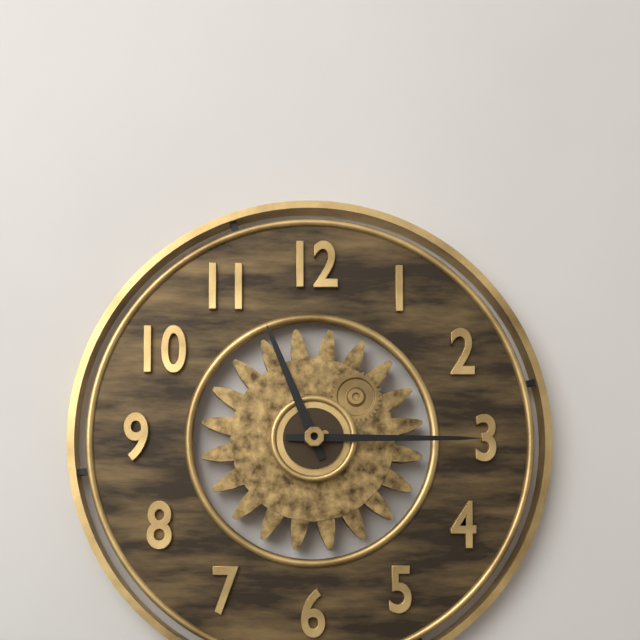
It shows {"hour": 11, "minute": 15}
